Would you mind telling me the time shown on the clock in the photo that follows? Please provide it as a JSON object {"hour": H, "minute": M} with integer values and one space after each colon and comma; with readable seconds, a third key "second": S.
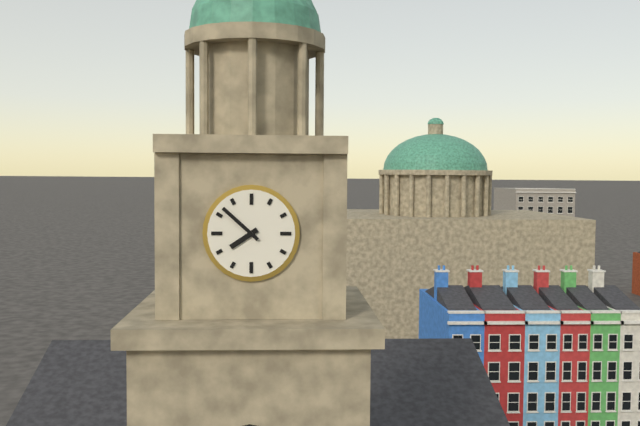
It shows {"hour": 7, "minute": 52}
